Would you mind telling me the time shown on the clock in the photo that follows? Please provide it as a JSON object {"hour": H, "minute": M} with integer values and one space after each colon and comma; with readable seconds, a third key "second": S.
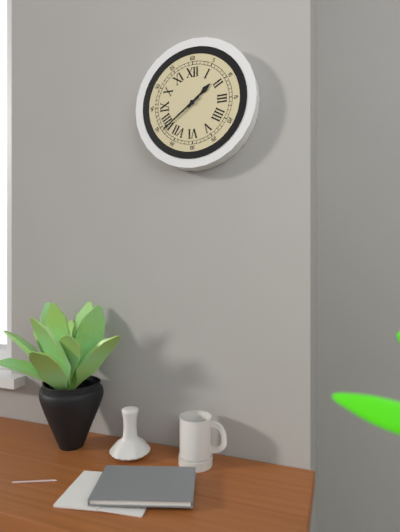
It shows {"hour": 1, "minute": 39}
